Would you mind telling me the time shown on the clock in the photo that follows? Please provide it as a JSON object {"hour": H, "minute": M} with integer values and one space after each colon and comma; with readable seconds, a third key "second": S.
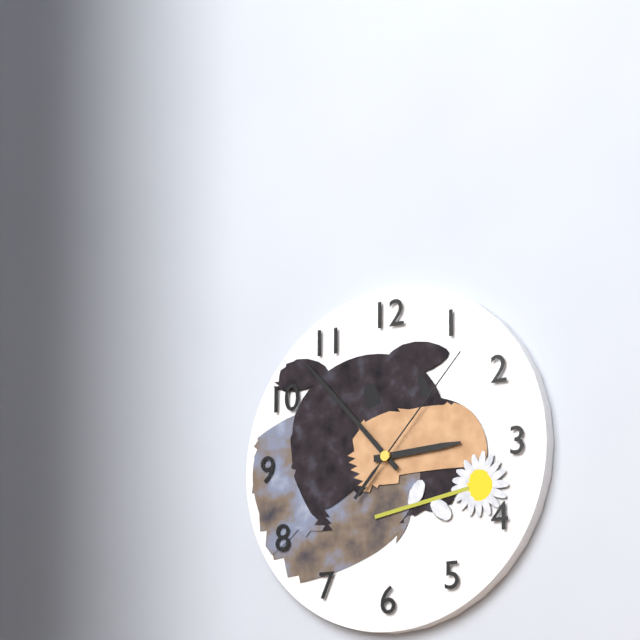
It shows {"hour": 2, "minute": 53, "second": 7}
